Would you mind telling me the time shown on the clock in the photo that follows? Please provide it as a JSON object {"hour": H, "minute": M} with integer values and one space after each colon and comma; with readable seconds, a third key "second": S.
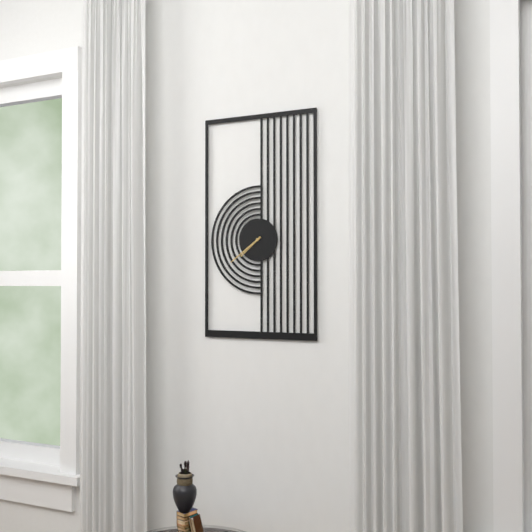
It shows {"hour": 7, "minute": 39}
